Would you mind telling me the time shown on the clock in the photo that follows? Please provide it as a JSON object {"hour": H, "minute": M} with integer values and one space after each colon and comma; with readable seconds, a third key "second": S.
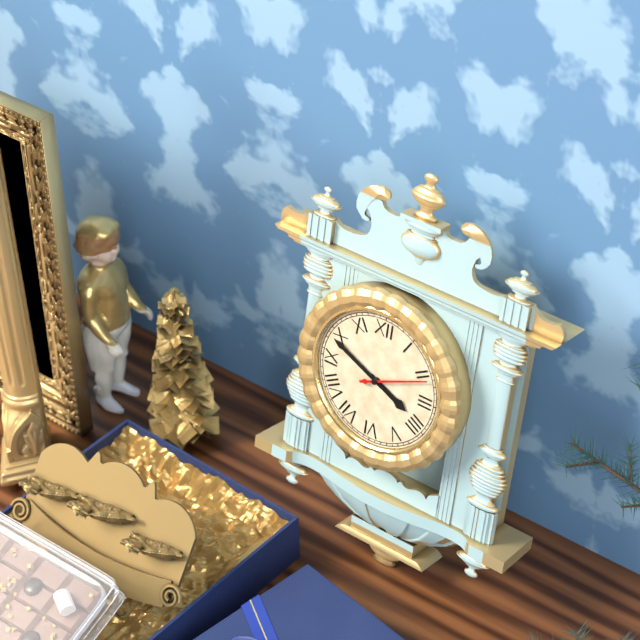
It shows {"hour": 3, "minute": 49, "second": 11}
